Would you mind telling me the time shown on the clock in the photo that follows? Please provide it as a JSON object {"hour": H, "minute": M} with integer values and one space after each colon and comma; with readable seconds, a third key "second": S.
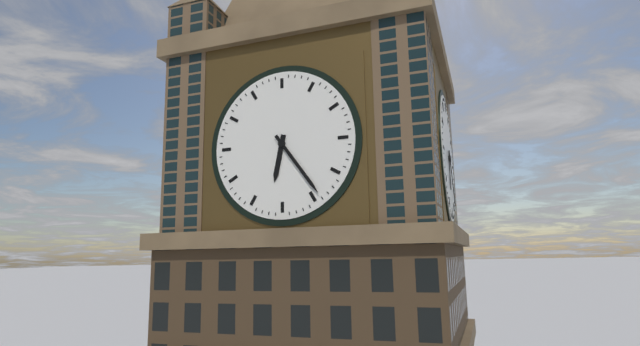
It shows {"hour": 6, "minute": 24}
